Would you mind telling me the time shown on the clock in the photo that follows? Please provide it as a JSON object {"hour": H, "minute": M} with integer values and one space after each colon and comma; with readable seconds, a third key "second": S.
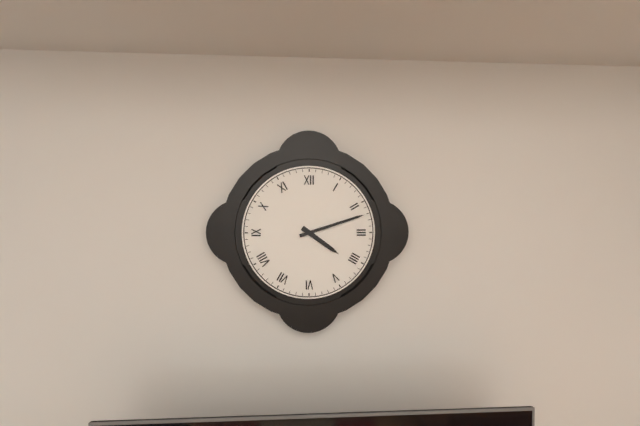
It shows {"hour": 4, "minute": 12}
